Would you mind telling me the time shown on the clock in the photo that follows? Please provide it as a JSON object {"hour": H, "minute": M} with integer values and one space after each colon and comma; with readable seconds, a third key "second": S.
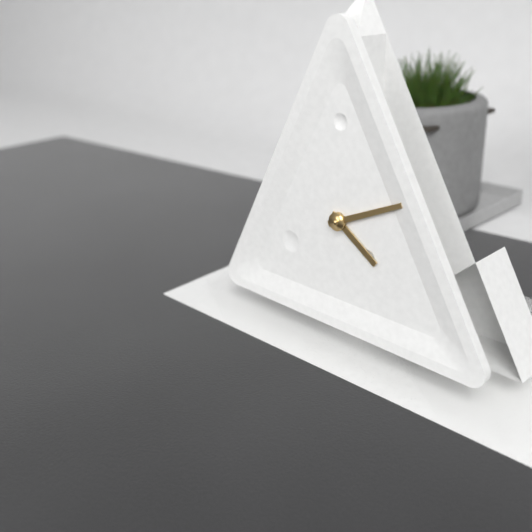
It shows {"hour": 4, "minute": 11}
